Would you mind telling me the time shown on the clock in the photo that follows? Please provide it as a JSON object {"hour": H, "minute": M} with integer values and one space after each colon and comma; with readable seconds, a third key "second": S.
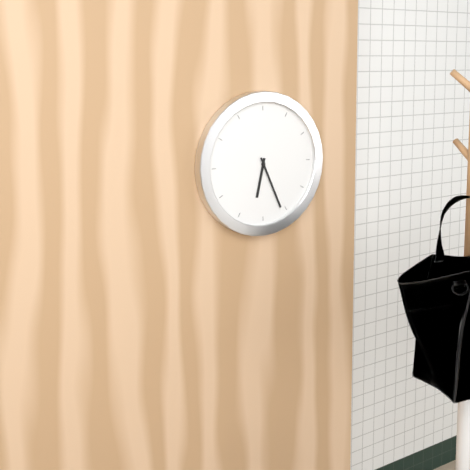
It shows {"hour": 6, "minute": 26}
